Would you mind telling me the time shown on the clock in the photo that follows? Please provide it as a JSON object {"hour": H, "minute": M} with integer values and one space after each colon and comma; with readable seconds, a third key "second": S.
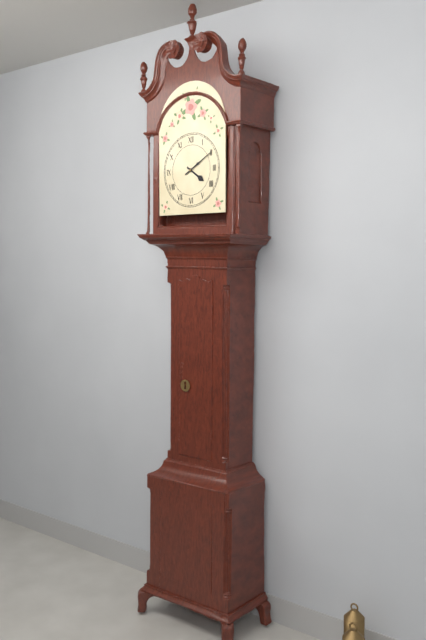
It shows {"hour": 4, "minute": 10}
